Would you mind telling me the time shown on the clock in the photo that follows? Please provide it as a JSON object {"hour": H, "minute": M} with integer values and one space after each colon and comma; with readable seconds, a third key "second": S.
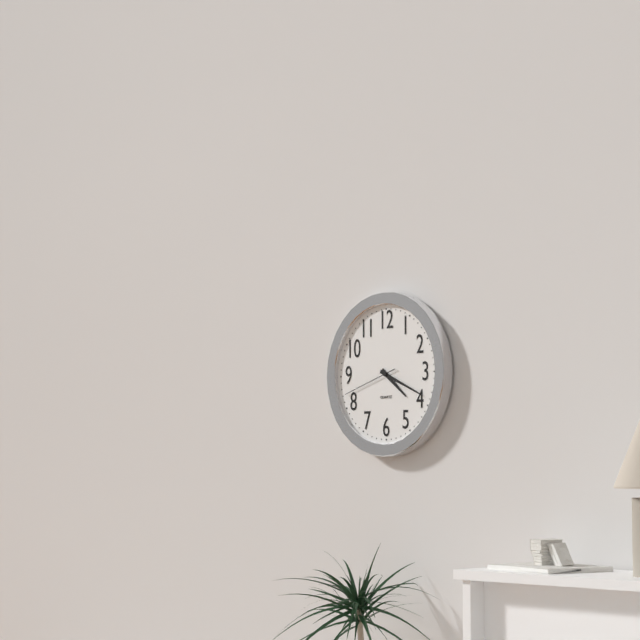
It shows {"hour": 4, "minute": 19, "second": 42}
